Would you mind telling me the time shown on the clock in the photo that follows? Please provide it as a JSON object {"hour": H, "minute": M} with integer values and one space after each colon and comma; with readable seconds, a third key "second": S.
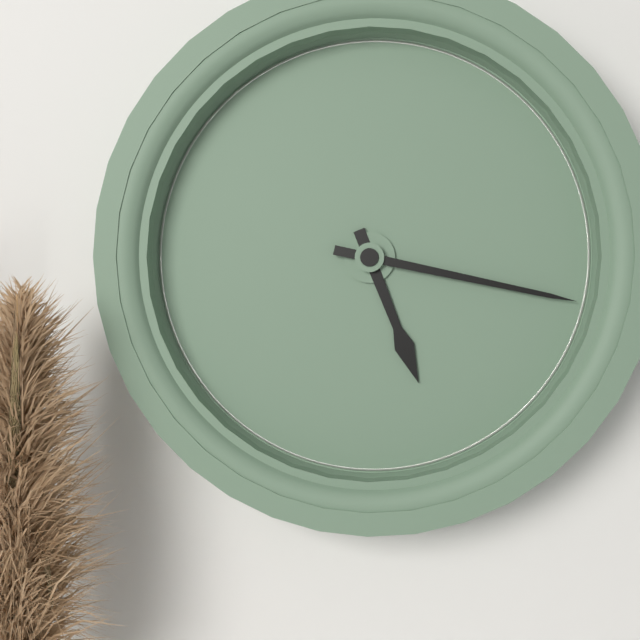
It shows {"hour": 5, "minute": 17}
